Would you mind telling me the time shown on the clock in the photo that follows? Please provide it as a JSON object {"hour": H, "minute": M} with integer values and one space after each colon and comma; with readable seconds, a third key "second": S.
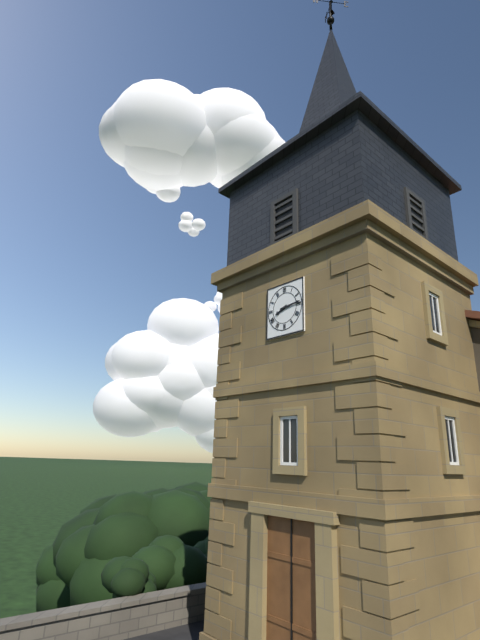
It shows {"hour": 8, "minute": 14}
